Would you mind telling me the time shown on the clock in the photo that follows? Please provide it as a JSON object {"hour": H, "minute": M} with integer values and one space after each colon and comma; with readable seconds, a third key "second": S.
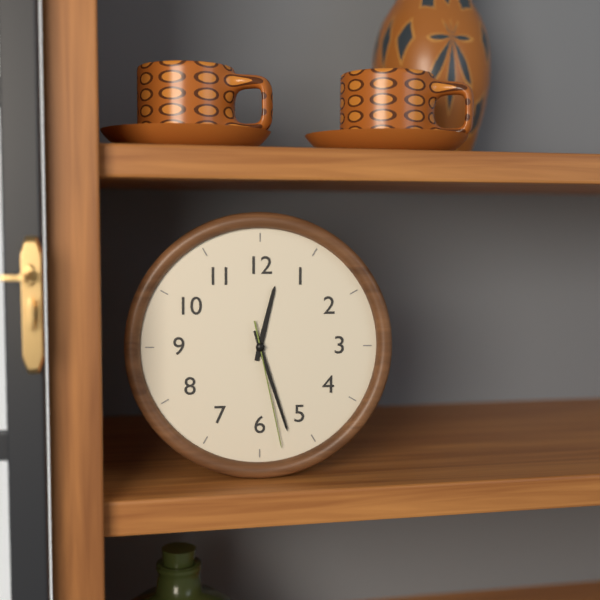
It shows {"hour": 12, "minute": 27, "second": 28}
